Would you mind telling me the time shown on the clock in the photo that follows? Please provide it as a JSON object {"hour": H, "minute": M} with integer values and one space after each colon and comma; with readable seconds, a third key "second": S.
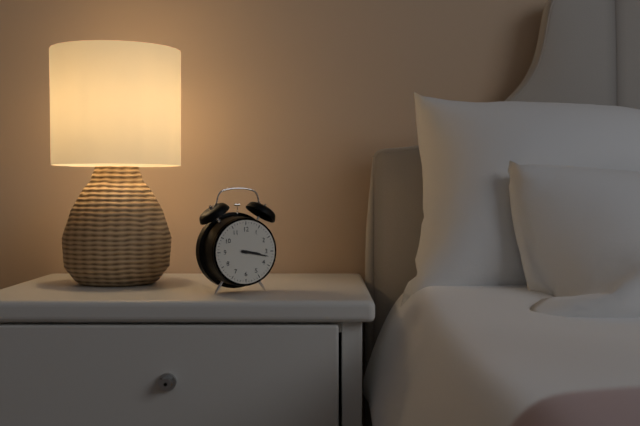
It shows {"hour": 3, "minute": 17}
